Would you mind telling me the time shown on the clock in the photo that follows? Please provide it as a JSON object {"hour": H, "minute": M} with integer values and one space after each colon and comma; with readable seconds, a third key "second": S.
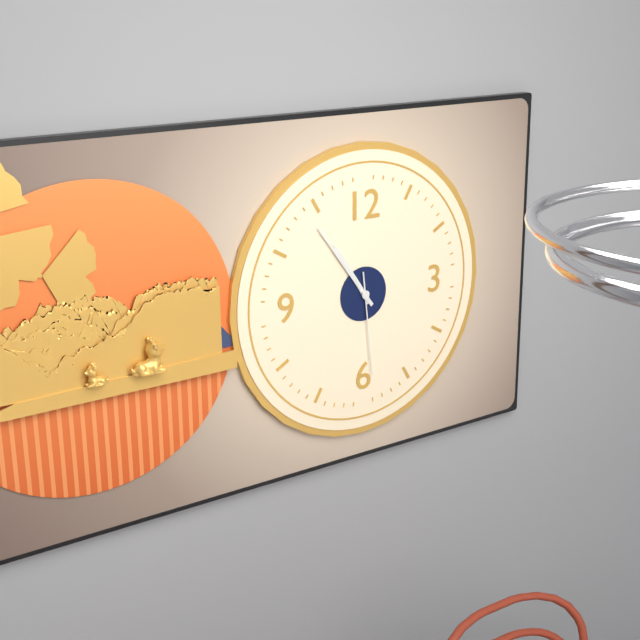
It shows {"hour": 10, "minute": 54, "second": 29}
